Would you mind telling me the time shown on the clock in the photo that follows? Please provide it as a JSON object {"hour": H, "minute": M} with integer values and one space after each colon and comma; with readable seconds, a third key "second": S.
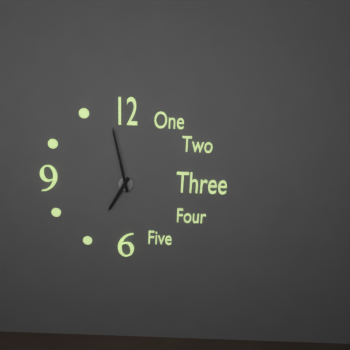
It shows {"hour": 6, "minute": 58}
